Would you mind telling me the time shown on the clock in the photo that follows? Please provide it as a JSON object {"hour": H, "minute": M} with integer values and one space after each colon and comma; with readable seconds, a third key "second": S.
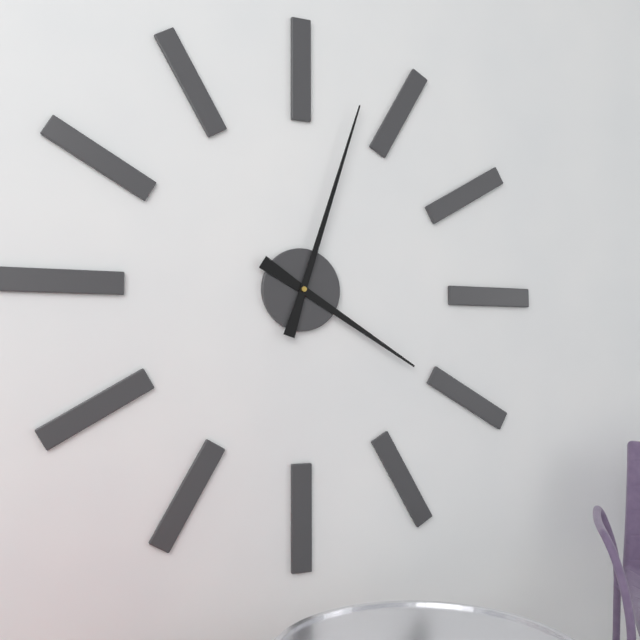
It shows {"hour": 4, "minute": 3}
